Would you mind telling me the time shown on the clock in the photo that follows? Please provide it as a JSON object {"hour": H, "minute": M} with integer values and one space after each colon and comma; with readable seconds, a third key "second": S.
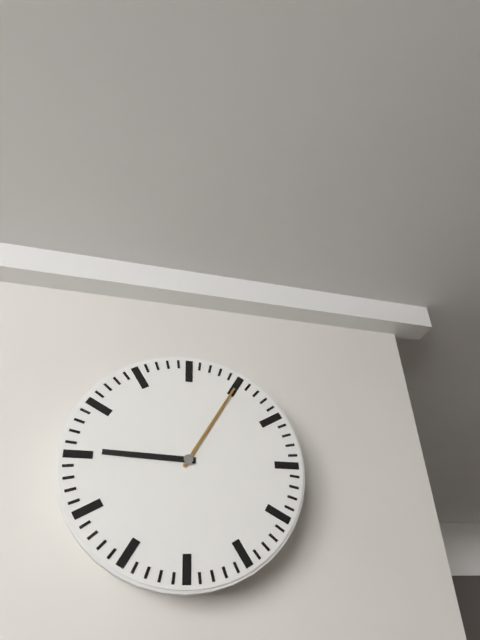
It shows {"hour": 9, "minute": 5}
